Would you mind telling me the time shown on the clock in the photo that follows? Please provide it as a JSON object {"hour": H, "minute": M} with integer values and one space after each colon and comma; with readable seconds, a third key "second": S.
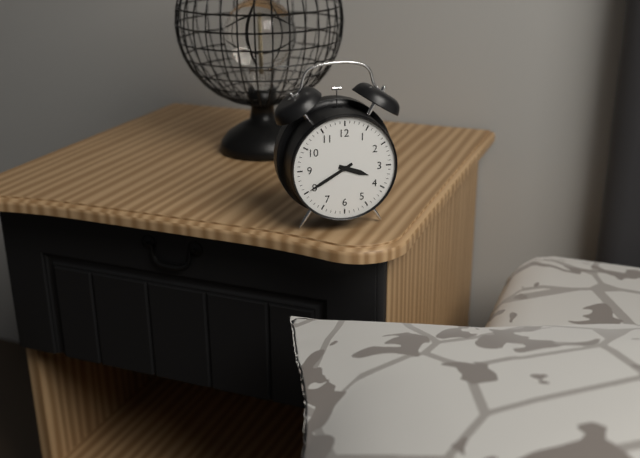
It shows {"hour": 3, "minute": 40}
